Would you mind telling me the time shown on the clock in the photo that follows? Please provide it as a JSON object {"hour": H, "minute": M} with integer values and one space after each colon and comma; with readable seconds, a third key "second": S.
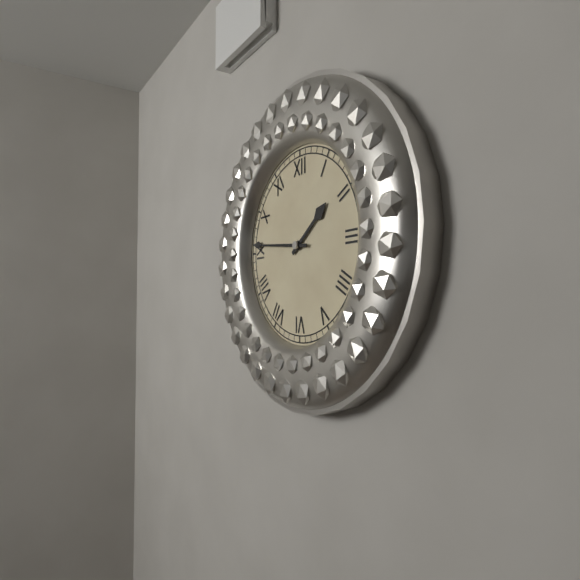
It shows {"hour": 1, "minute": 46}
